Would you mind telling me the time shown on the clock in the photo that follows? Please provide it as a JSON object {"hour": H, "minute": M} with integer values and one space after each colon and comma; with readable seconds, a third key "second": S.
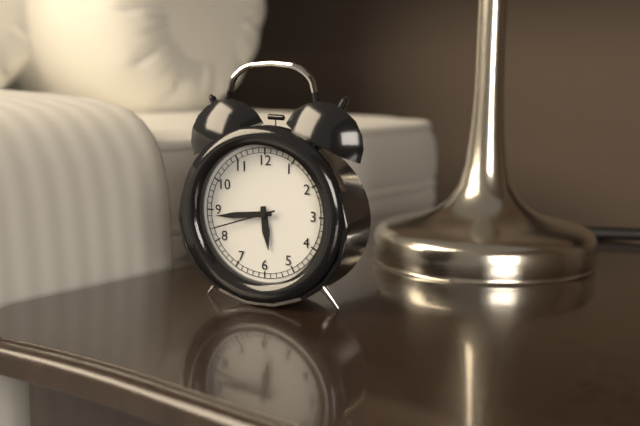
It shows {"hour": 5, "minute": 44, "second": 42}
